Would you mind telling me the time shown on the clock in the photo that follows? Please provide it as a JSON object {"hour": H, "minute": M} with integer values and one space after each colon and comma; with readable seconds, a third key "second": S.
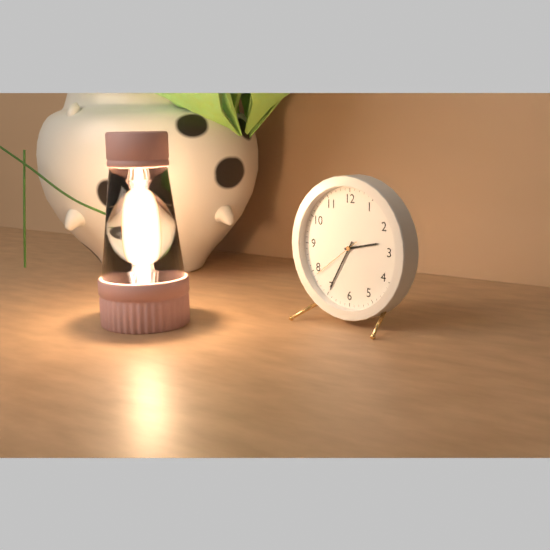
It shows {"hour": 2, "minute": 35, "second": 39}
